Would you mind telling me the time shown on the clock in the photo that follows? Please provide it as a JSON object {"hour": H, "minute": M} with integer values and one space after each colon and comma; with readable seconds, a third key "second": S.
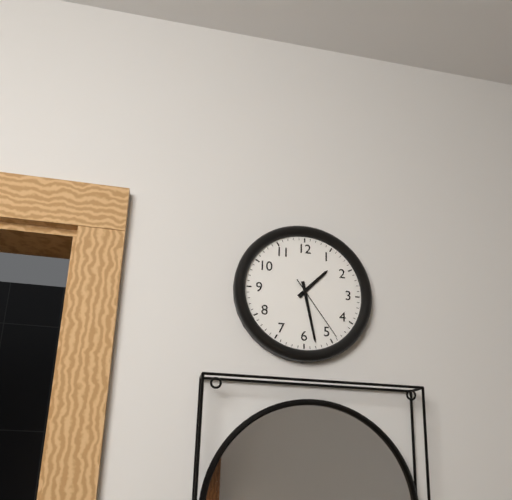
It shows {"hour": 1, "minute": 28, "second": 24}
